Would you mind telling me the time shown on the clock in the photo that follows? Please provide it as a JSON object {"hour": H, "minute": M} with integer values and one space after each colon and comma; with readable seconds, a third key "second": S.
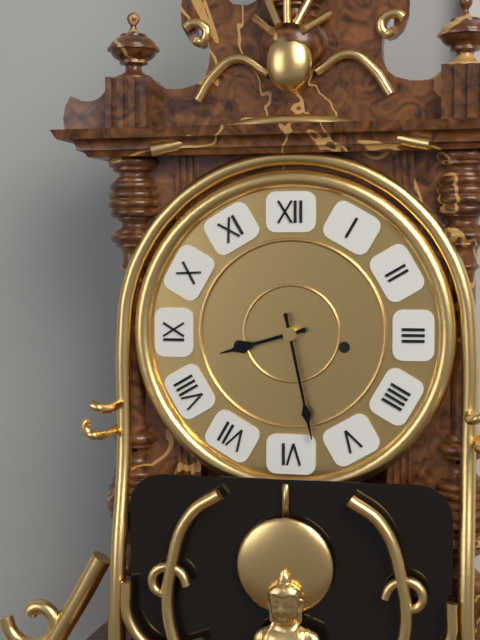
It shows {"hour": 8, "minute": 28}
